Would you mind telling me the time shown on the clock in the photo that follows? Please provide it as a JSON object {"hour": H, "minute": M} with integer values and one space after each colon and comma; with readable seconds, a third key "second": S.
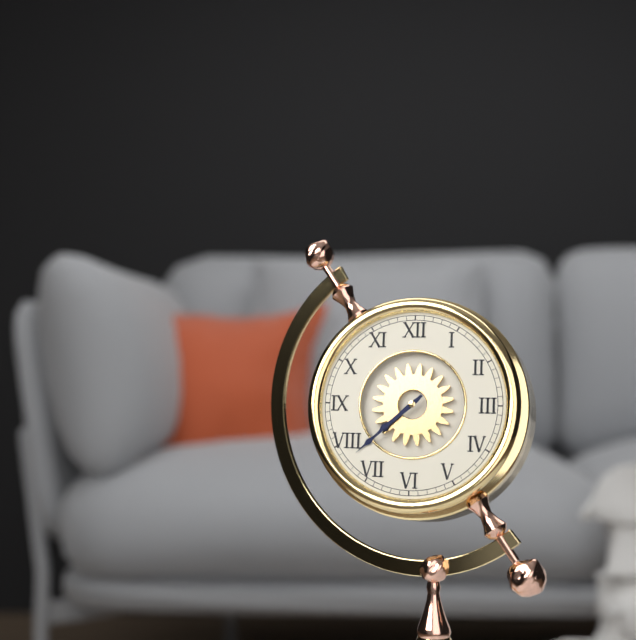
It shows {"hour": 7, "minute": 38}
